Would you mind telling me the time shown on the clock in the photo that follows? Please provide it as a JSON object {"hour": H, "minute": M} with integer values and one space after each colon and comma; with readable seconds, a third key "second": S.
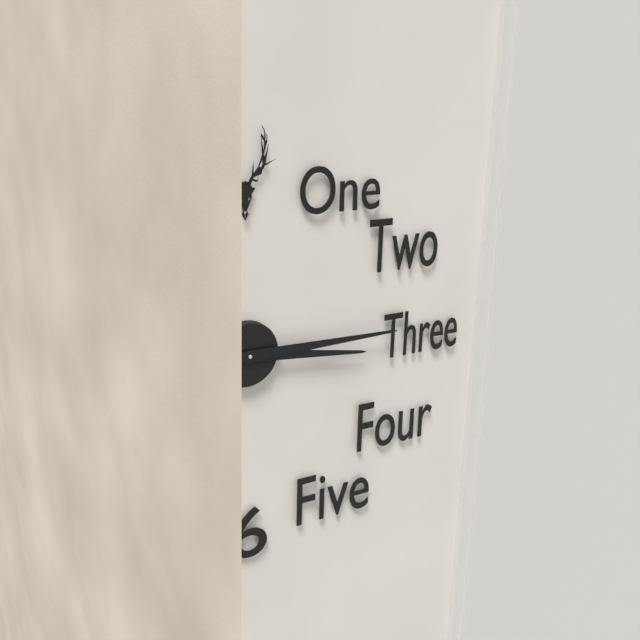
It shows {"hour": 3, "minute": 15}
